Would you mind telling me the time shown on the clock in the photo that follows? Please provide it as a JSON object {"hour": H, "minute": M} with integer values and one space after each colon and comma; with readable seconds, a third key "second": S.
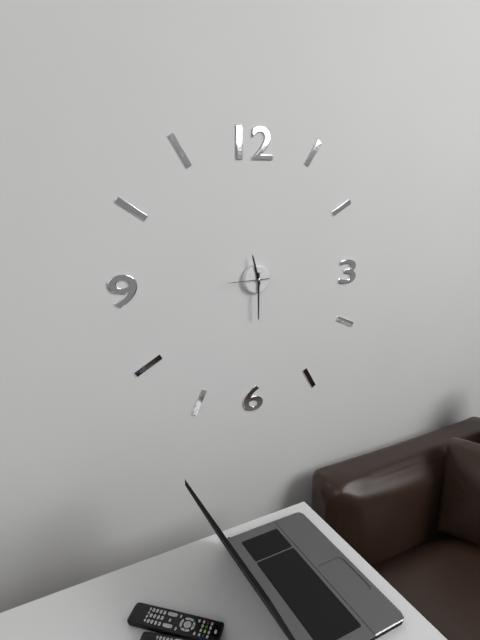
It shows {"hour": 11, "minute": 30}
